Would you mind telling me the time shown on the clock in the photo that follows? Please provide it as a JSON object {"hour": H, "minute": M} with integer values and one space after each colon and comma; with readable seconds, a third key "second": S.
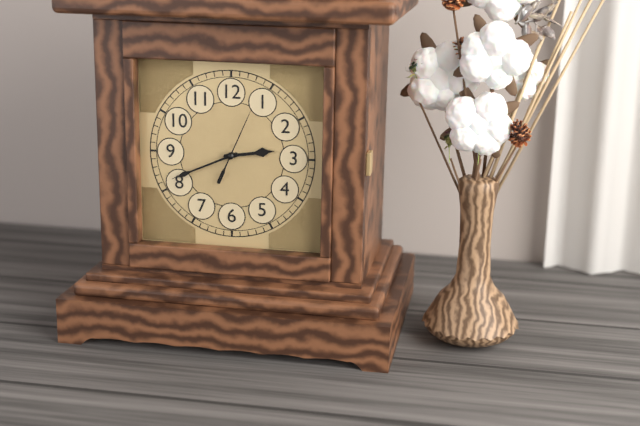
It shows {"hour": 2, "minute": 41, "second": 4}
